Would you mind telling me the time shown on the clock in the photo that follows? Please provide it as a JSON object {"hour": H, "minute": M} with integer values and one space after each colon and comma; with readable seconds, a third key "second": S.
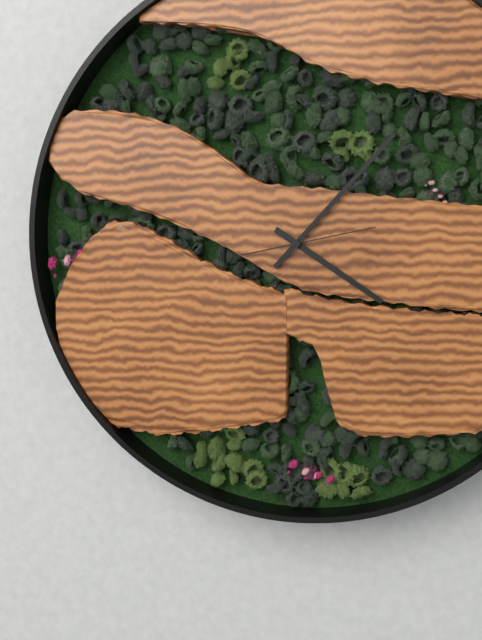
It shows {"hour": 4, "minute": 7, "second": 13}
